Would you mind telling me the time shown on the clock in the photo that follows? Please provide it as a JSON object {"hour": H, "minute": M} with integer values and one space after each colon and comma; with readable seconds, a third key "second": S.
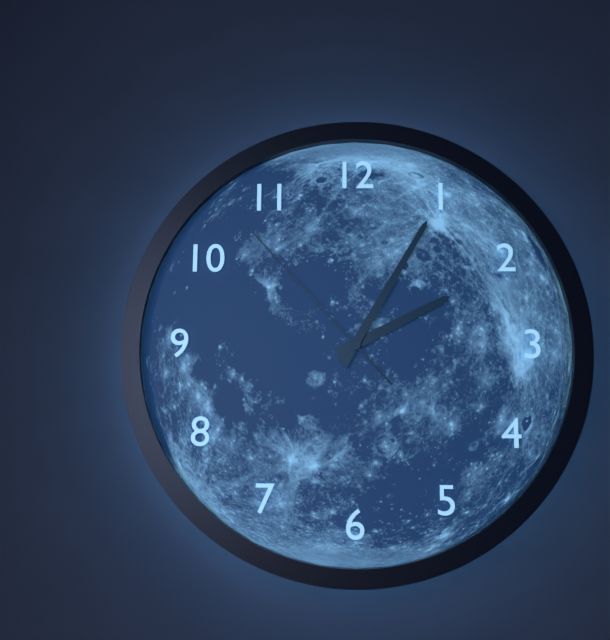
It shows {"hour": 2, "minute": 5, "second": 53}
